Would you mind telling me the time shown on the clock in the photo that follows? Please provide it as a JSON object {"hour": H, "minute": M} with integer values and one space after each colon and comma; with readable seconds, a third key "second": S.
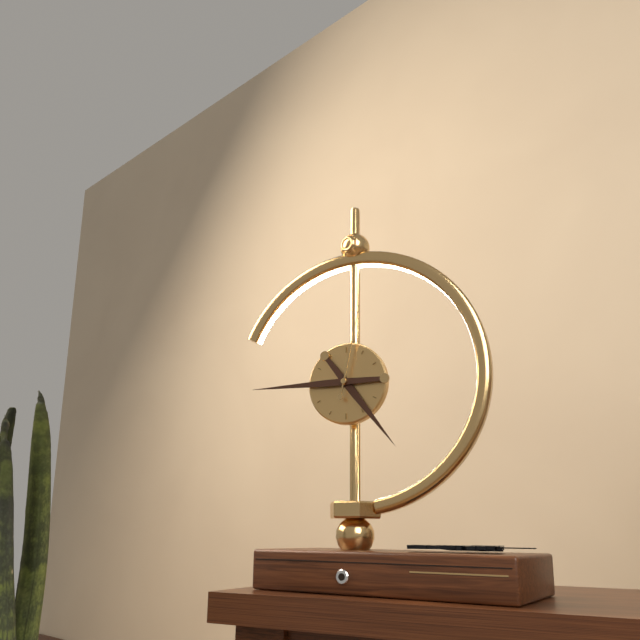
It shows {"hour": 4, "minute": 45, "second": 2}
